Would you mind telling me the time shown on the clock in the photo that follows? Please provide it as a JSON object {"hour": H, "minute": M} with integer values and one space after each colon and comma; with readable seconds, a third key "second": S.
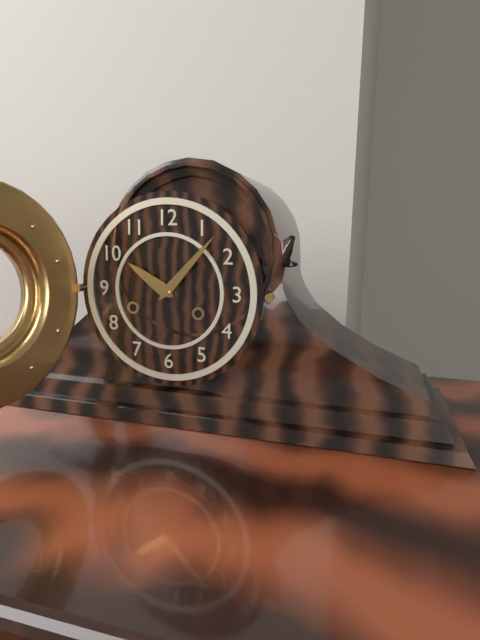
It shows {"hour": 10, "minute": 7}
